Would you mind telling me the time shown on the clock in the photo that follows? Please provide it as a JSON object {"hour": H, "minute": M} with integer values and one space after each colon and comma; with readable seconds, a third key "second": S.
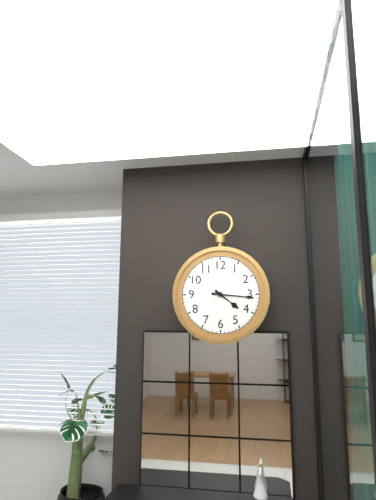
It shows {"hour": 4, "minute": 16}
